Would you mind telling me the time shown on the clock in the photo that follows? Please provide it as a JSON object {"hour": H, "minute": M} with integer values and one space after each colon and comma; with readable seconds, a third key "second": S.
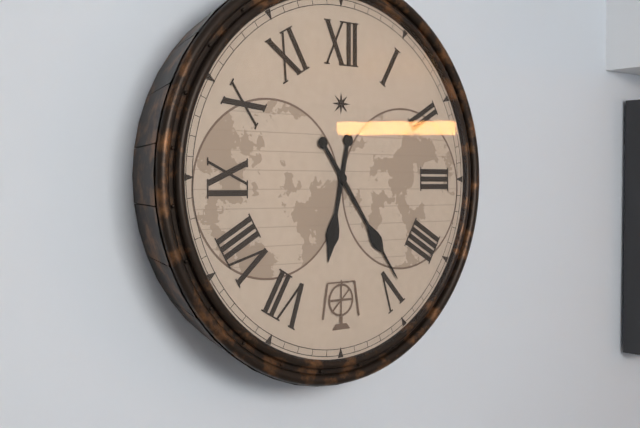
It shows {"hour": 6, "minute": 24}
